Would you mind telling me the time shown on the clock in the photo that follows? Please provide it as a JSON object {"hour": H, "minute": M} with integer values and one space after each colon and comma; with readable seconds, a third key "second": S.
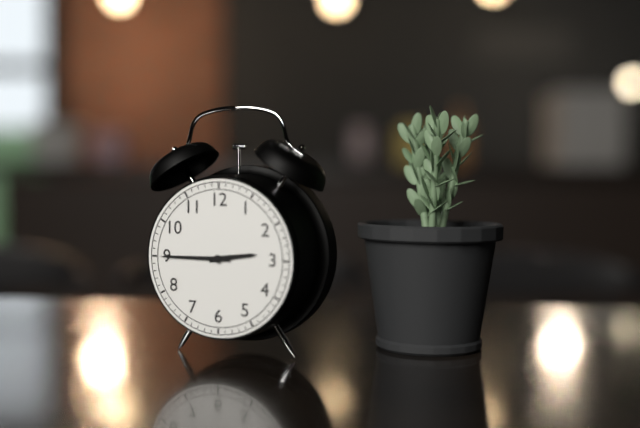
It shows {"hour": 2, "minute": 45}
